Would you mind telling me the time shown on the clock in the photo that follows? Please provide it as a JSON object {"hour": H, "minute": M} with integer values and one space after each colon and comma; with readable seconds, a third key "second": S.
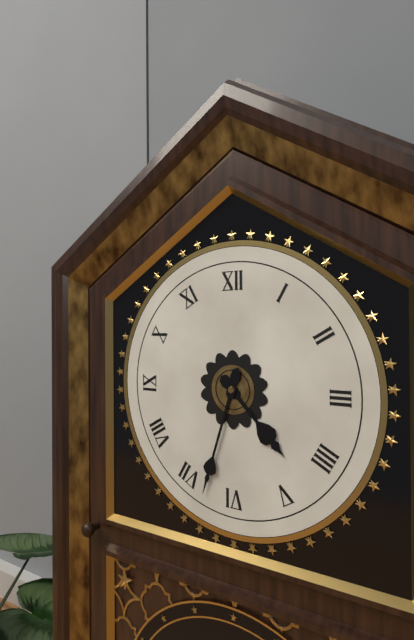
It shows {"hour": 4, "minute": 33}
